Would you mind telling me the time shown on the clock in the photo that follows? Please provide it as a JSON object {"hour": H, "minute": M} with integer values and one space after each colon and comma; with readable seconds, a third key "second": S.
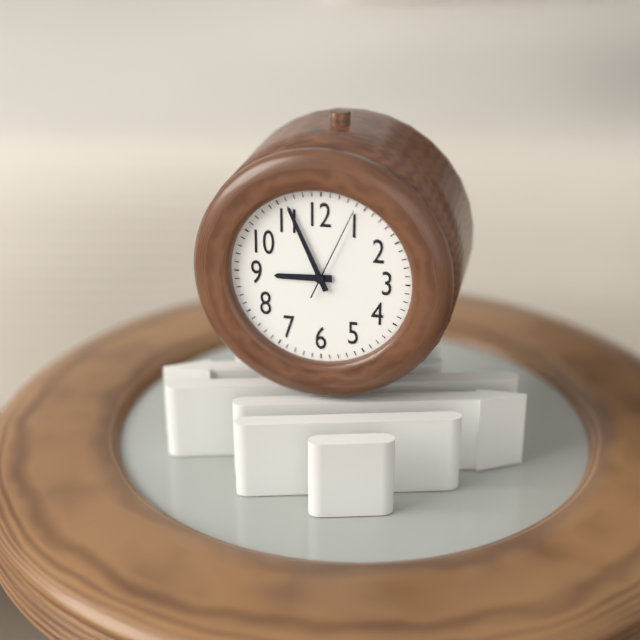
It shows {"hour": 8, "minute": 56, "second": 4}
